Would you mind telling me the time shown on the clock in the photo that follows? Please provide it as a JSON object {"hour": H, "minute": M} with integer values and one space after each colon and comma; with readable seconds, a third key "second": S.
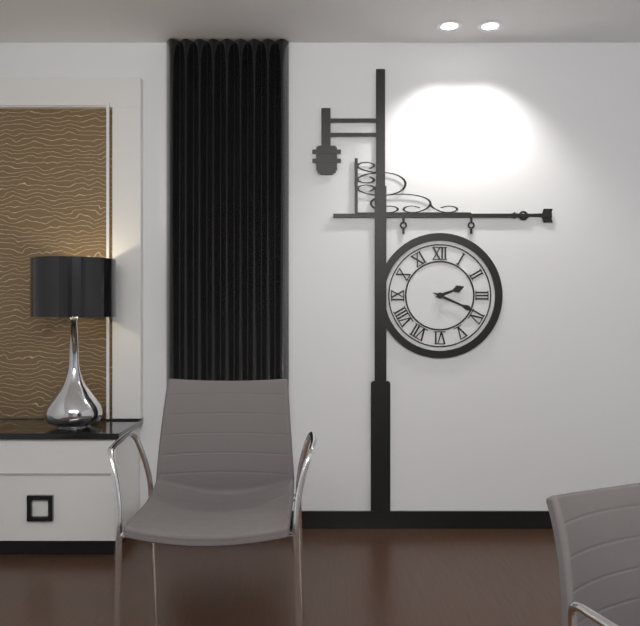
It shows {"hour": 2, "minute": 19}
